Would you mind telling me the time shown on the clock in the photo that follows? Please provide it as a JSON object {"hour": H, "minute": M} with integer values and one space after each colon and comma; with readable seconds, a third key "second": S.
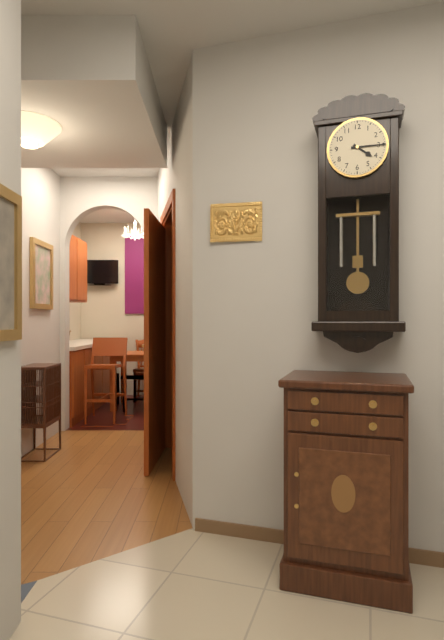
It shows {"hour": 4, "minute": 15}
